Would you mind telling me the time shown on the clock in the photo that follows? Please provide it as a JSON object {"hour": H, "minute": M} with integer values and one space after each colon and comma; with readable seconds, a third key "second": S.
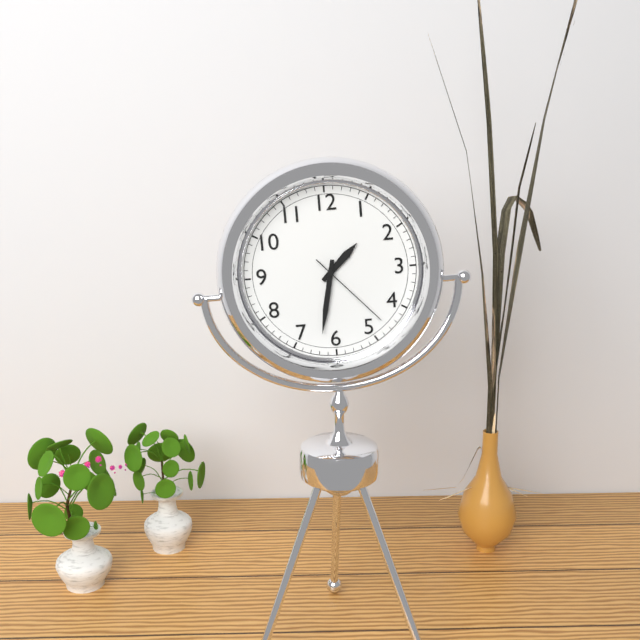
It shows {"hour": 1, "minute": 32, "second": 23}
